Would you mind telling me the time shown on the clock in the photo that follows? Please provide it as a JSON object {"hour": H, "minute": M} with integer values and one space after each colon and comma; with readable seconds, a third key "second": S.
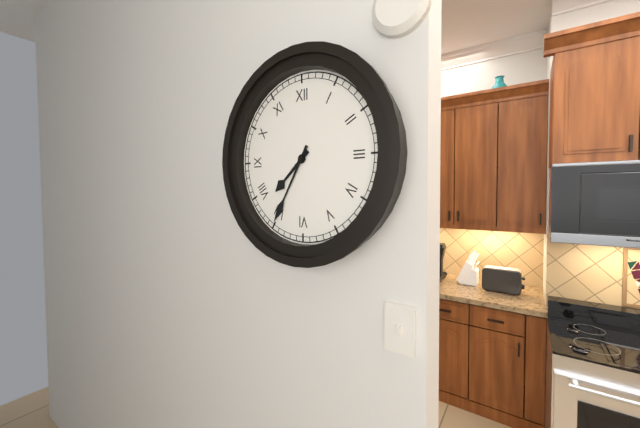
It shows {"hour": 7, "minute": 35}
